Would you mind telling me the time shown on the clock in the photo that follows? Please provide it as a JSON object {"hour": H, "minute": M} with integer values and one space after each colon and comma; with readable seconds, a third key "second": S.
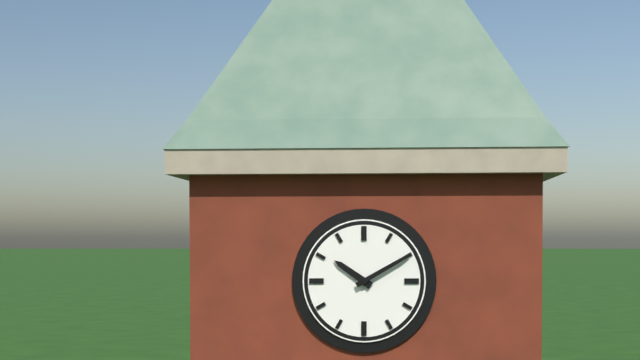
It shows {"hour": 10, "minute": 10}
